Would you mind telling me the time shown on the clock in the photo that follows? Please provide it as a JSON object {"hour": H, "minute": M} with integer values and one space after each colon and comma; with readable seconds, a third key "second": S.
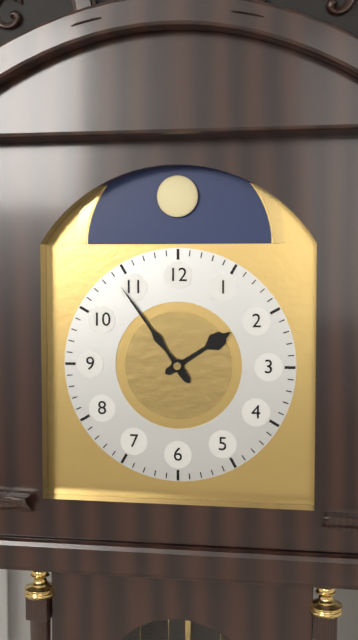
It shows {"hour": 1, "minute": 54}
